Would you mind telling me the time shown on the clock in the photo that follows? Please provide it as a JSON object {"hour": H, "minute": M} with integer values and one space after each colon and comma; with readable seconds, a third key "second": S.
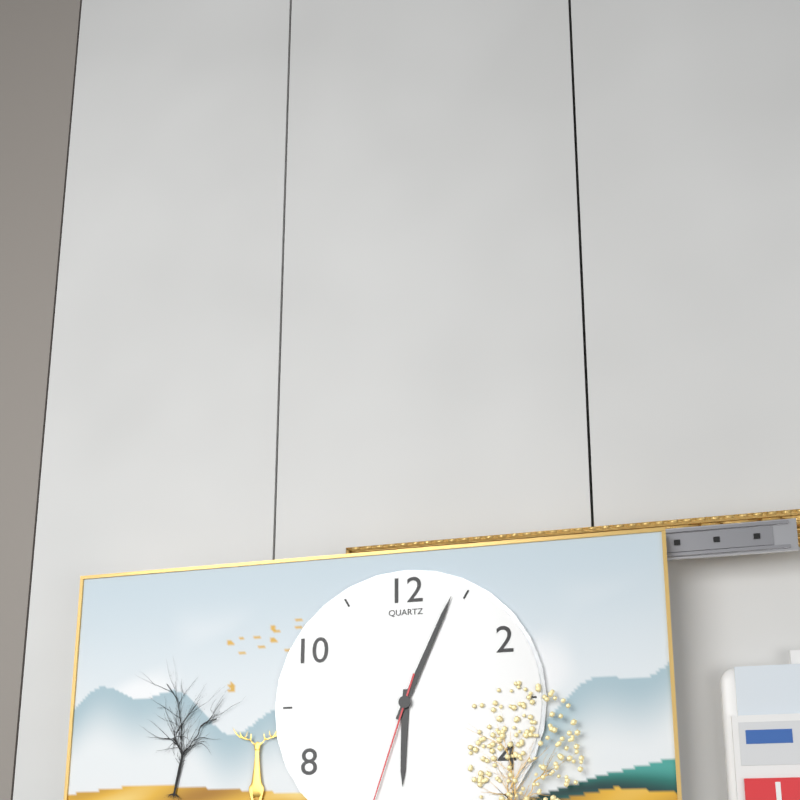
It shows {"hour": 6, "minute": 4}
